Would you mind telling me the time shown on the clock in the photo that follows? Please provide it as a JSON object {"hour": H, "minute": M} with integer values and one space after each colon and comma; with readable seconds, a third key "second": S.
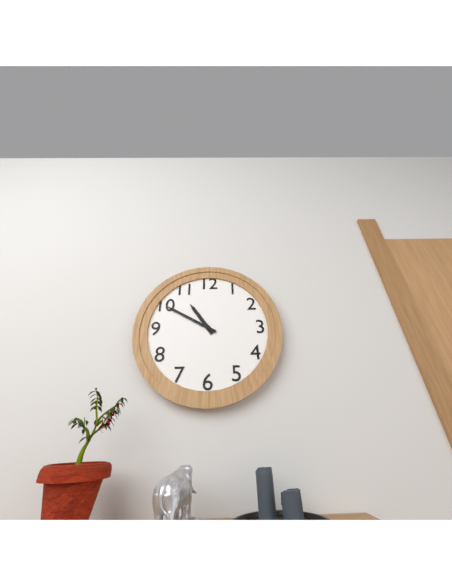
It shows {"hour": 10, "minute": 50}
